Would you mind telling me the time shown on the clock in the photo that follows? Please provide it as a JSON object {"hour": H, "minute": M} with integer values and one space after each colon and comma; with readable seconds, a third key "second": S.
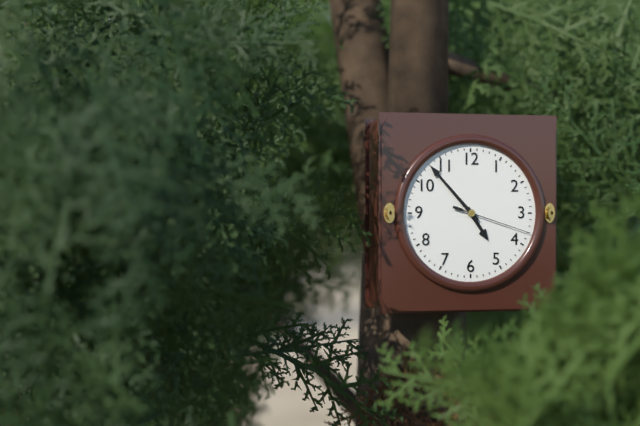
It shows {"hour": 4, "minute": 53, "second": 18}
